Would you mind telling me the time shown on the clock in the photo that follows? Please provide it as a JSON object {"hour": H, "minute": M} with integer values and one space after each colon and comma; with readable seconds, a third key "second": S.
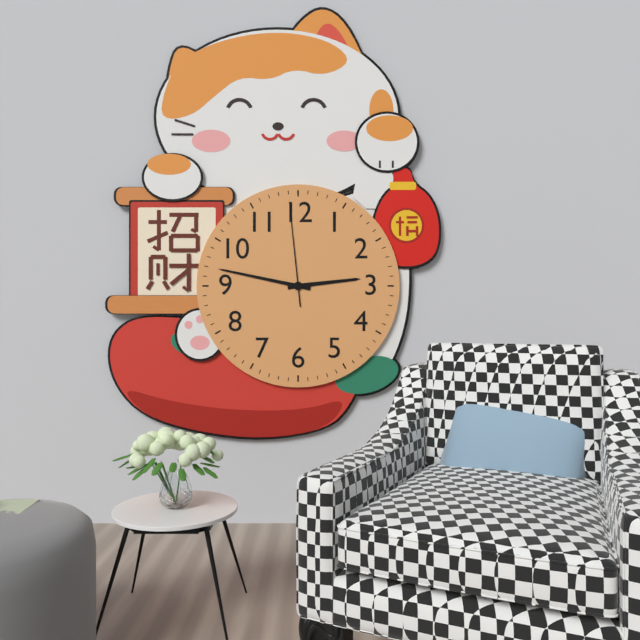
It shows {"hour": 2, "minute": 47, "second": 59}
